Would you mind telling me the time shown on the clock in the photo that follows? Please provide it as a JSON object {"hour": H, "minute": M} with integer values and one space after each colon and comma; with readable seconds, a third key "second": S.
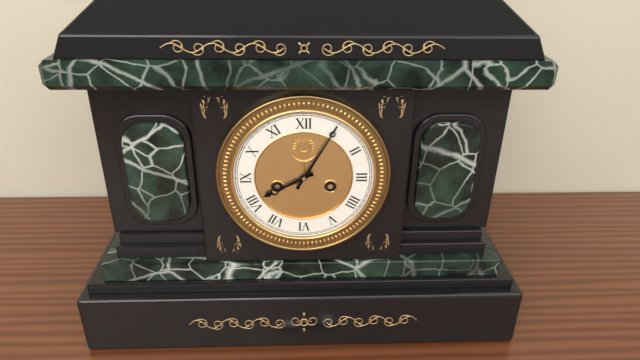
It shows {"hour": 8, "minute": 5}
